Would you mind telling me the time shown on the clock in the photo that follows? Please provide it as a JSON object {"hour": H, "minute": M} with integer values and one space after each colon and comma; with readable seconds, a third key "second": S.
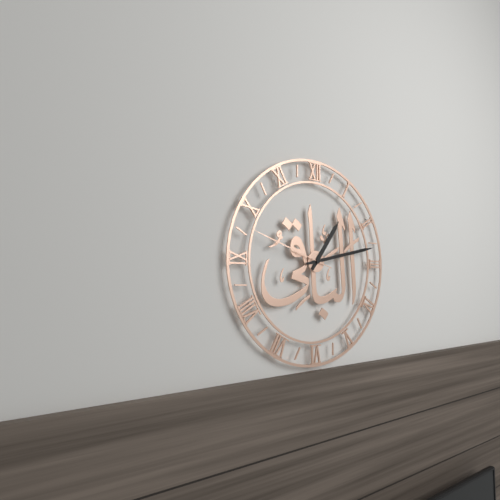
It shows {"hour": 1, "minute": 13, "second": 48}
